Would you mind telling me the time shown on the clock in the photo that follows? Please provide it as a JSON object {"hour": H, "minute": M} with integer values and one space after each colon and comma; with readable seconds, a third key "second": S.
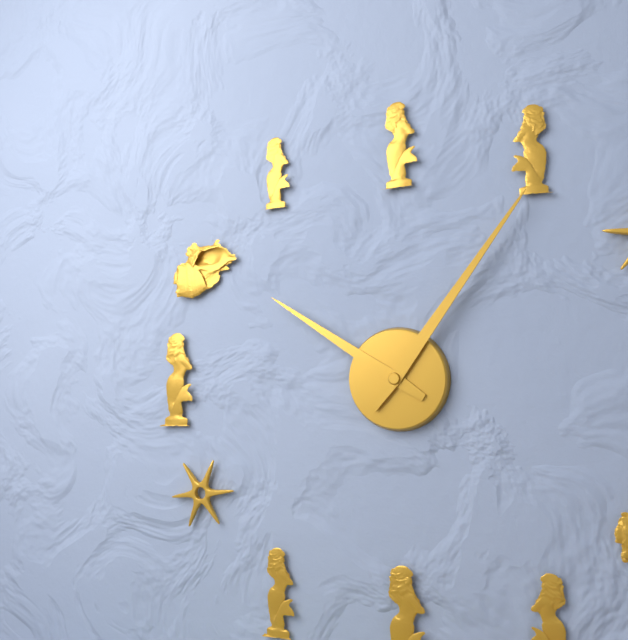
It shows {"hour": 10, "minute": 6}
